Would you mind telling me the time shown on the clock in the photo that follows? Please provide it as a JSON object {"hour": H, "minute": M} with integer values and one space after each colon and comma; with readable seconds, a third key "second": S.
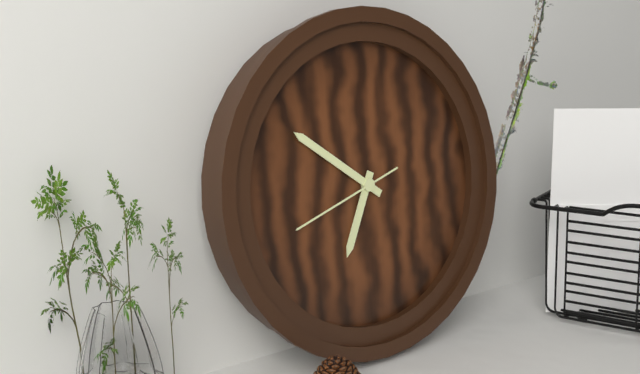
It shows {"hour": 6, "minute": 51, "second": 42}
